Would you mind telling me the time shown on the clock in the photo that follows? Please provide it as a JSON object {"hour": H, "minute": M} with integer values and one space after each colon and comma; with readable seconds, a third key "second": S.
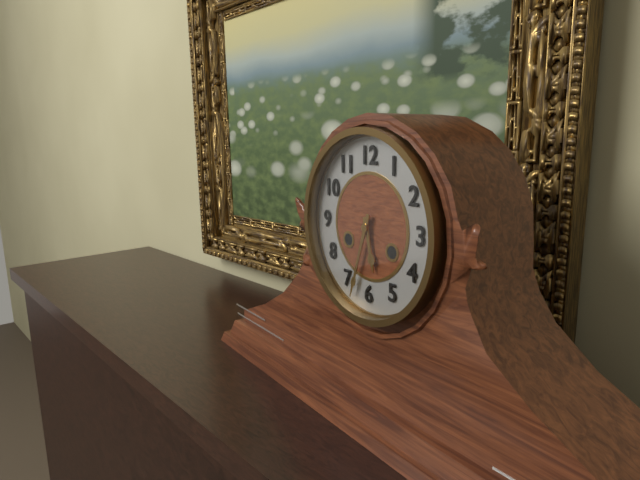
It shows {"hour": 5, "minute": 33}
